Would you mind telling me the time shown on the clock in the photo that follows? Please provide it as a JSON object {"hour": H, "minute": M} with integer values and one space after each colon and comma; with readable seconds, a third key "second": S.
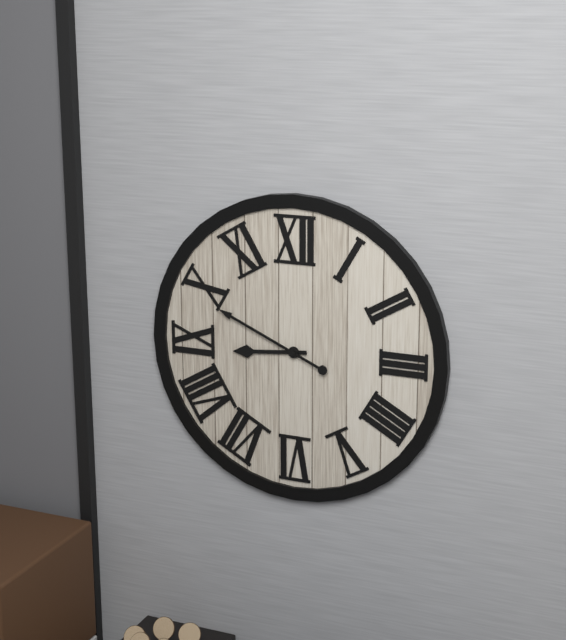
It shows {"hour": 8, "minute": 49}
